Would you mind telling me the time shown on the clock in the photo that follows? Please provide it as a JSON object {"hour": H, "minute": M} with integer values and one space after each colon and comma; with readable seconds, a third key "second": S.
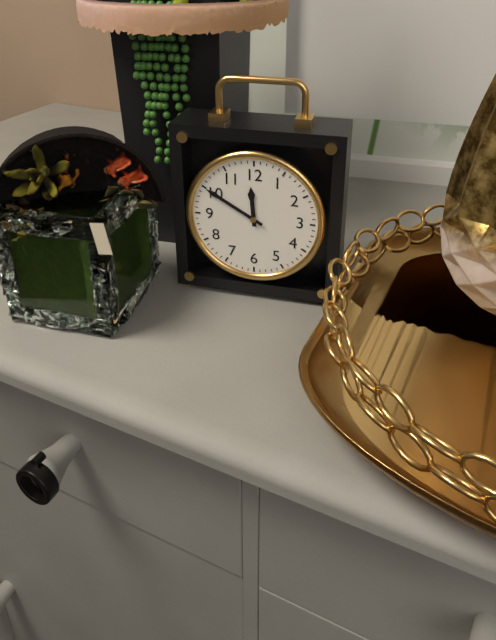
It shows {"hour": 11, "minute": 50}
